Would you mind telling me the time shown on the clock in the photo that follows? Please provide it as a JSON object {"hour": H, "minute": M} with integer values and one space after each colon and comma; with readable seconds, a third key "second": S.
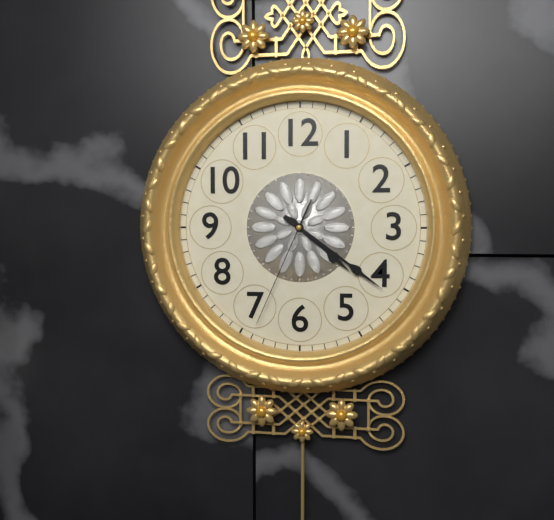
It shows {"hour": 4, "minute": 21, "second": 34}
